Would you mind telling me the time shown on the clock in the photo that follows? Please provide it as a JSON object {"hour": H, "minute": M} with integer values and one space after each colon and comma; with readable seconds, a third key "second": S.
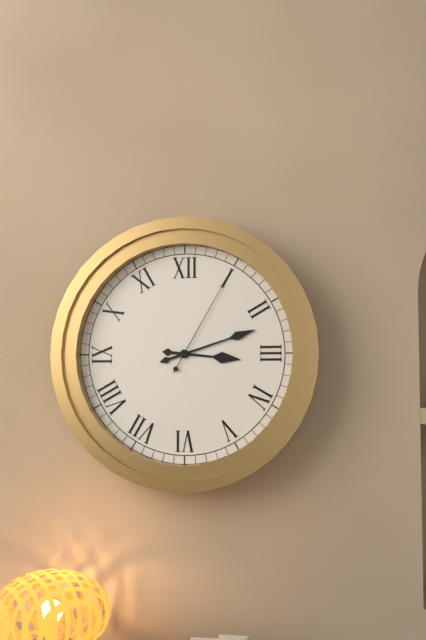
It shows {"hour": 3, "minute": 12, "second": 5}
